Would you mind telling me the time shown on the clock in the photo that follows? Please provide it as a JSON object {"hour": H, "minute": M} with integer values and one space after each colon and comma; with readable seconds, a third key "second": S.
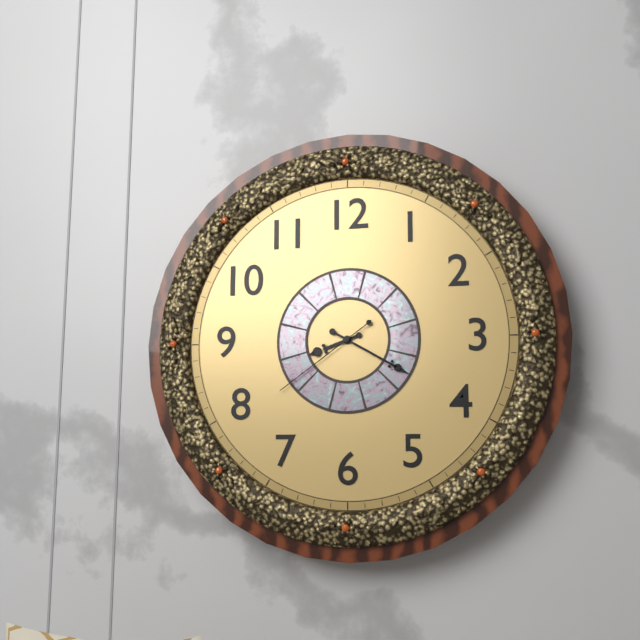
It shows {"hour": 8, "minute": 20, "second": 39}
